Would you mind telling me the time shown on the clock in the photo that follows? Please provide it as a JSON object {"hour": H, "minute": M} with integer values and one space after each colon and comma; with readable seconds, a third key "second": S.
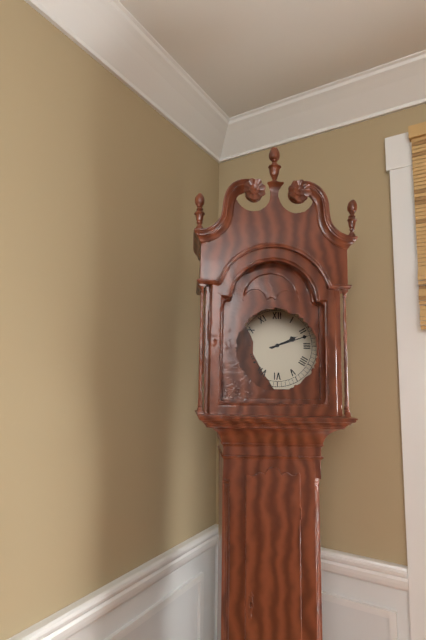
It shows {"hour": 2, "minute": 12}
